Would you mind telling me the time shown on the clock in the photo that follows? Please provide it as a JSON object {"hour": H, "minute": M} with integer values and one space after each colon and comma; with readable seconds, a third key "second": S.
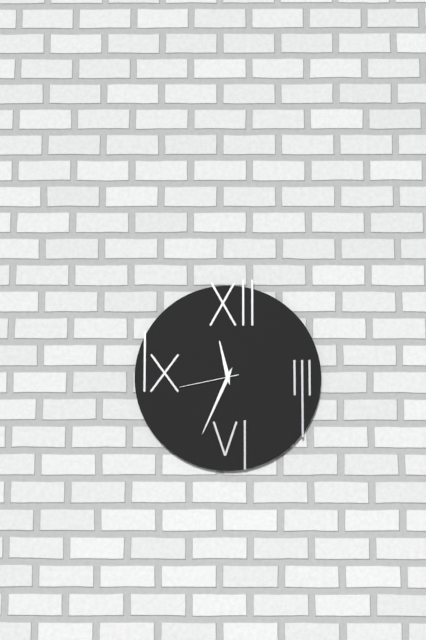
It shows {"hour": 11, "minute": 34, "second": 43}
